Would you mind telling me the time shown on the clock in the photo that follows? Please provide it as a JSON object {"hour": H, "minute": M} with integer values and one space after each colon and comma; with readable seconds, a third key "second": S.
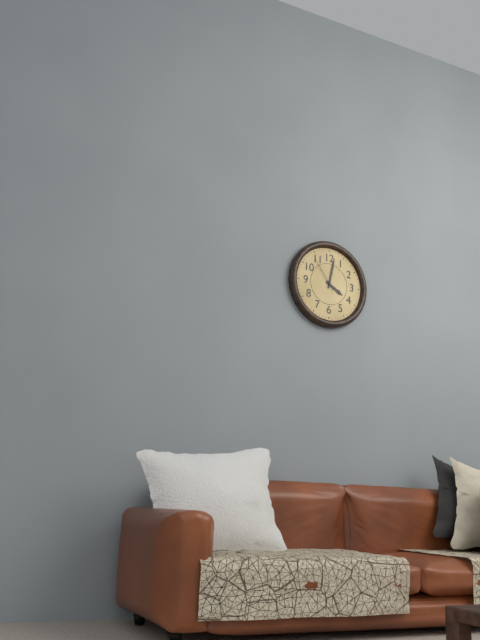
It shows {"hour": 4, "minute": 2}
